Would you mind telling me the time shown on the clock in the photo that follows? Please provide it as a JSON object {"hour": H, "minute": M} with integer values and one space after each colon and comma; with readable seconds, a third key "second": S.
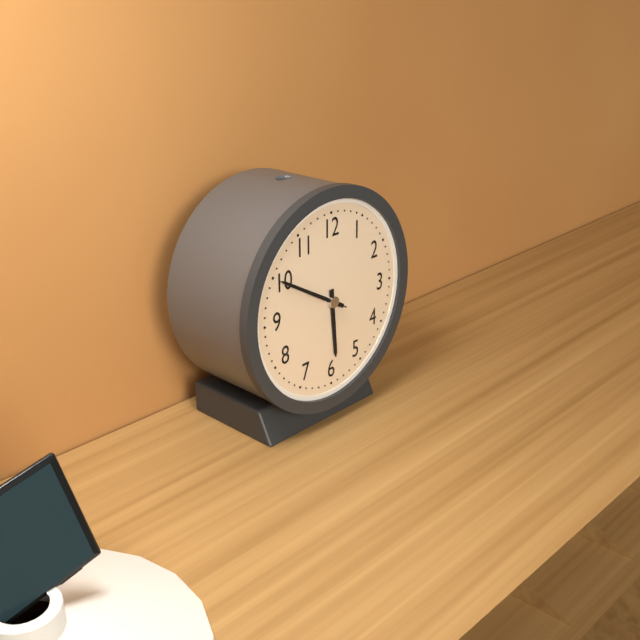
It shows {"hour": 5, "minute": 50, "second": 50}
